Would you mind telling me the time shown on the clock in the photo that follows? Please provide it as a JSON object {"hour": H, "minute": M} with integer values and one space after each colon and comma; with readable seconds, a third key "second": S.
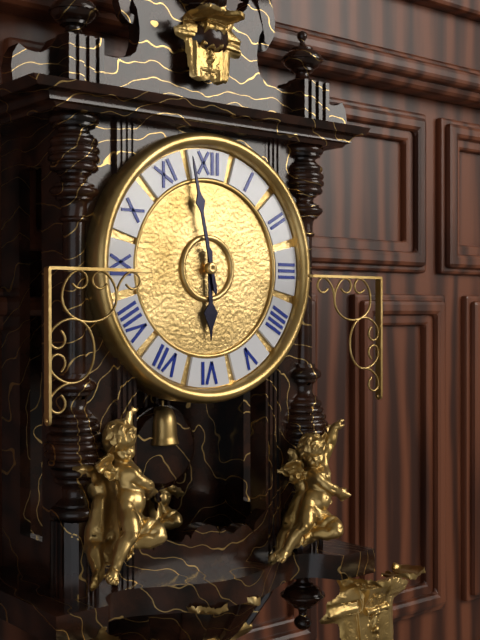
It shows {"hour": 5, "minute": 58}
